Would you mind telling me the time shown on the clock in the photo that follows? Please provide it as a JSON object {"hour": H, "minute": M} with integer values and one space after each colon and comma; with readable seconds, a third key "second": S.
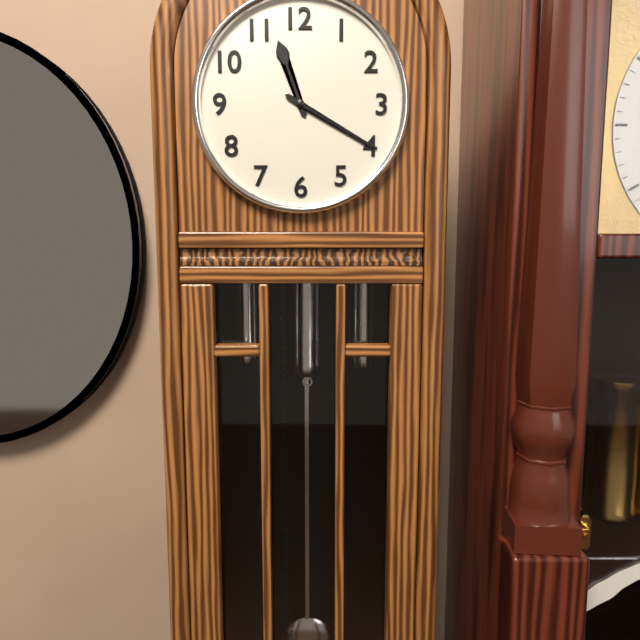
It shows {"hour": 11, "minute": 20}
